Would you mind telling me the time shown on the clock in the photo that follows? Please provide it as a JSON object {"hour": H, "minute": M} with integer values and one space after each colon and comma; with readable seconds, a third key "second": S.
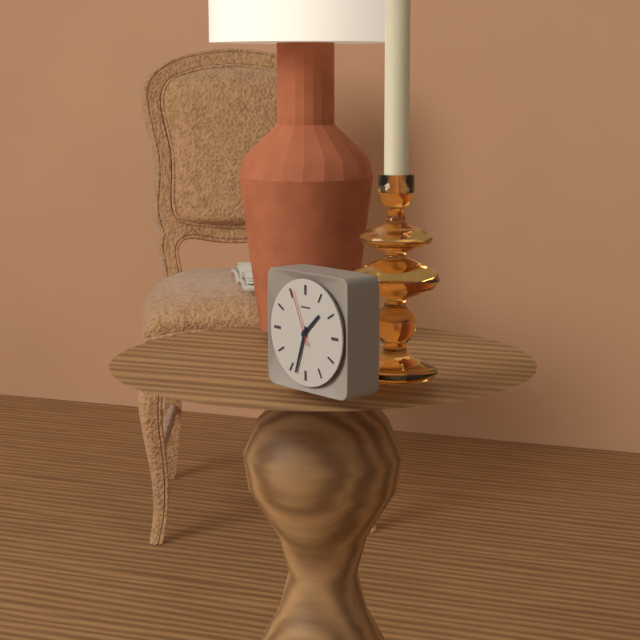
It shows {"hour": 1, "minute": 33, "second": 56}
